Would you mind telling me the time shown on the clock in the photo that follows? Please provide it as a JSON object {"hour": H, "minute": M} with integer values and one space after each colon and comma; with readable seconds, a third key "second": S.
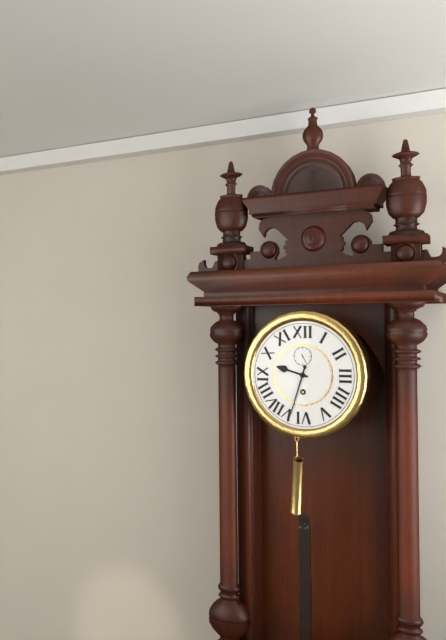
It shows {"hour": 9, "minute": 33}
